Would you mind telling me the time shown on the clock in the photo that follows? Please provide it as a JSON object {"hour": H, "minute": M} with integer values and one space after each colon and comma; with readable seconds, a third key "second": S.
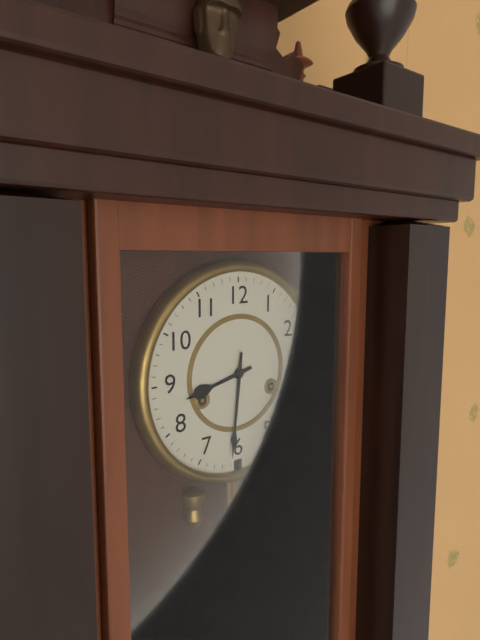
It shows {"hour": 8, "minute": 31}
